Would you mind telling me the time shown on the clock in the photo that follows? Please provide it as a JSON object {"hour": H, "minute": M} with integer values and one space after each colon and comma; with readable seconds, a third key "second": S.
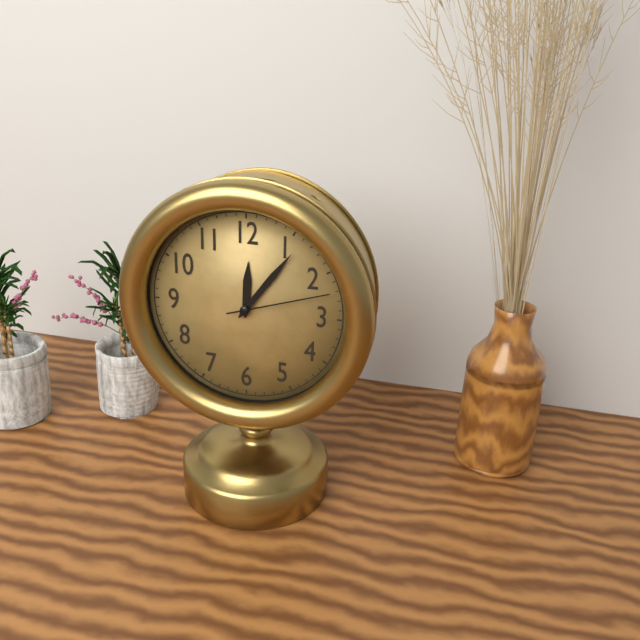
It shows {"hour": 12, "minute": 6, "second": 12}
